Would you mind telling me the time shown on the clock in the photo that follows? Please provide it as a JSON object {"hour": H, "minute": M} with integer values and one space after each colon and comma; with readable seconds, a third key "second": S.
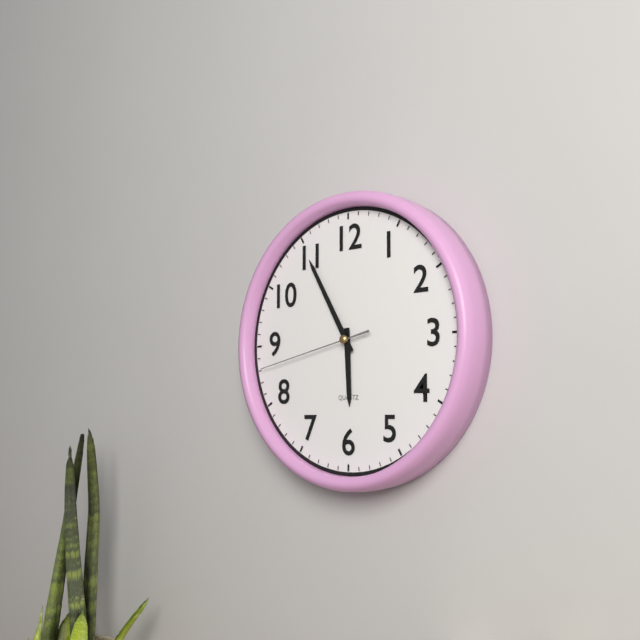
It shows {"hour": 5, "minute": 55, "second": 43}
